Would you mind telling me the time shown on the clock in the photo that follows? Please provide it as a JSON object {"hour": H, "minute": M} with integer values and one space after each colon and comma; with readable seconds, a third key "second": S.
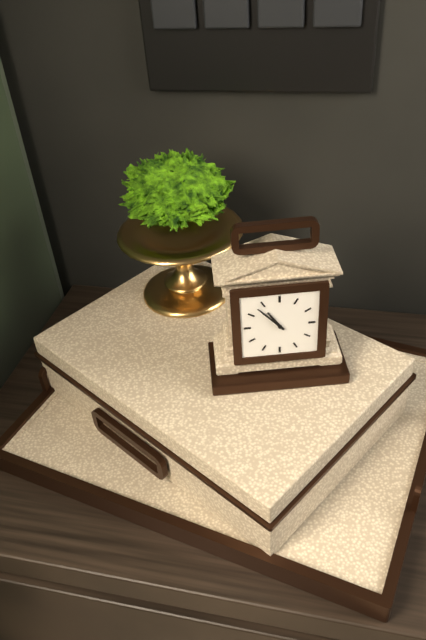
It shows {"hour": 10, "minute": 53}
